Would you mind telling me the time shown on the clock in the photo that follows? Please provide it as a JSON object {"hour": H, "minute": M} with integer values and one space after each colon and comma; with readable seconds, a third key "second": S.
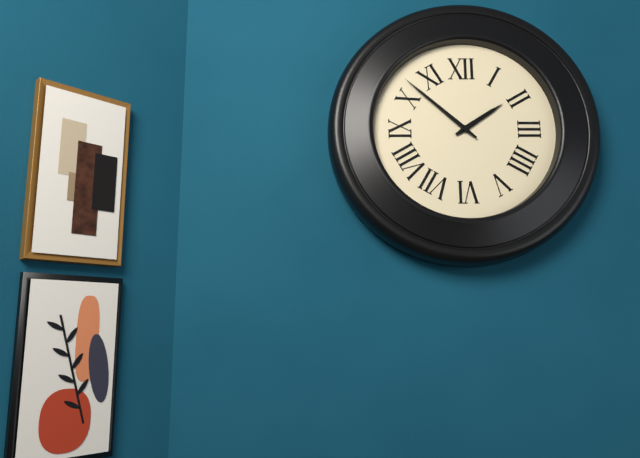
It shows {"hour": 1, "minute": 52}
